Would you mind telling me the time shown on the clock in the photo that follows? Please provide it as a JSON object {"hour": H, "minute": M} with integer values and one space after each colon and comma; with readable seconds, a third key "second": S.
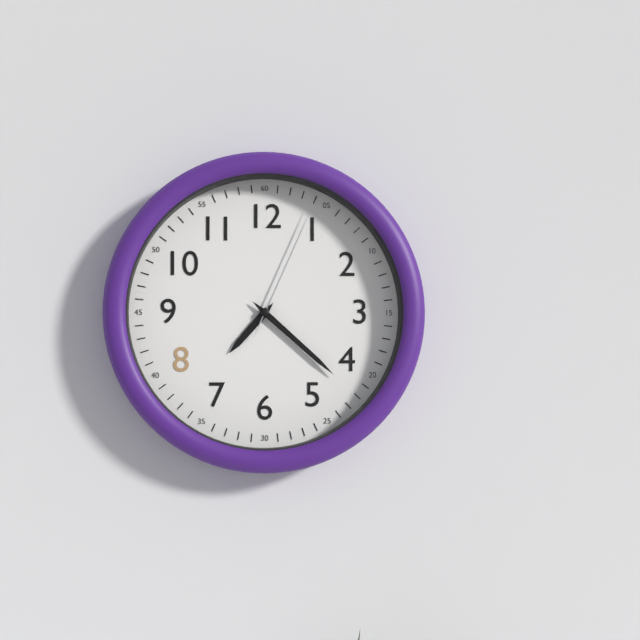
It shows {"hour": 7, "minute": 22, "second": 4}
